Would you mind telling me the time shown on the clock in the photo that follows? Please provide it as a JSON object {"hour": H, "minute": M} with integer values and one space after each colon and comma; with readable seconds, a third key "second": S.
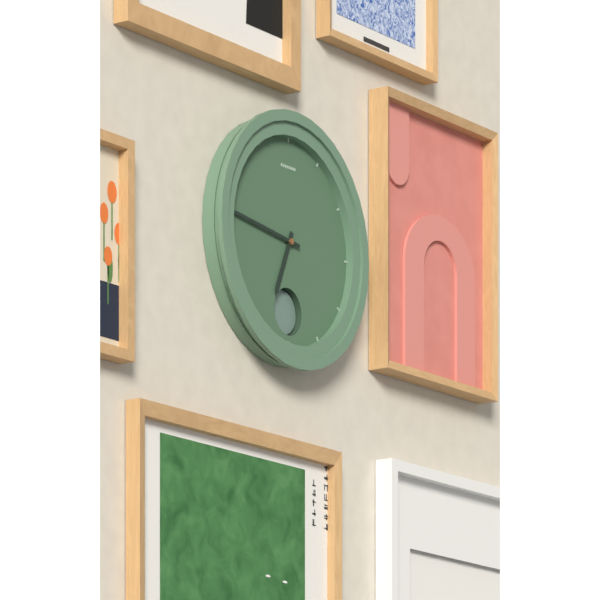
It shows {"hour": 6, "minute": 46}
